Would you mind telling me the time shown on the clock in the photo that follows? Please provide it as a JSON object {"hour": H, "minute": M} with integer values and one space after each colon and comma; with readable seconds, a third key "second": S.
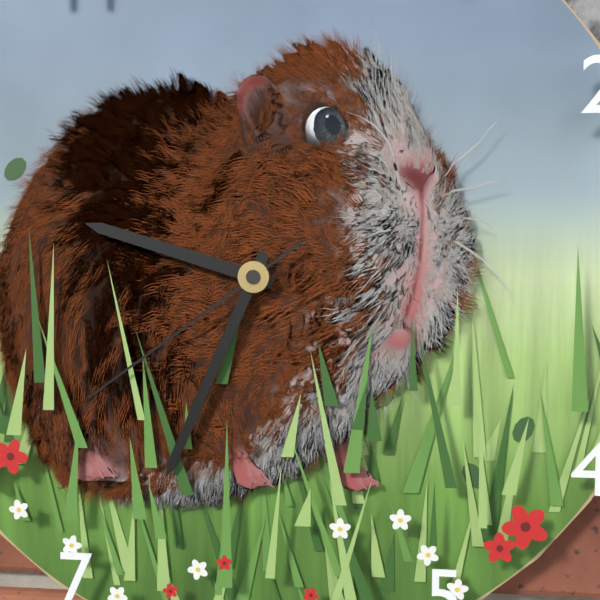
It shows {"hour": 9, "minute": 34, "second": 39}
